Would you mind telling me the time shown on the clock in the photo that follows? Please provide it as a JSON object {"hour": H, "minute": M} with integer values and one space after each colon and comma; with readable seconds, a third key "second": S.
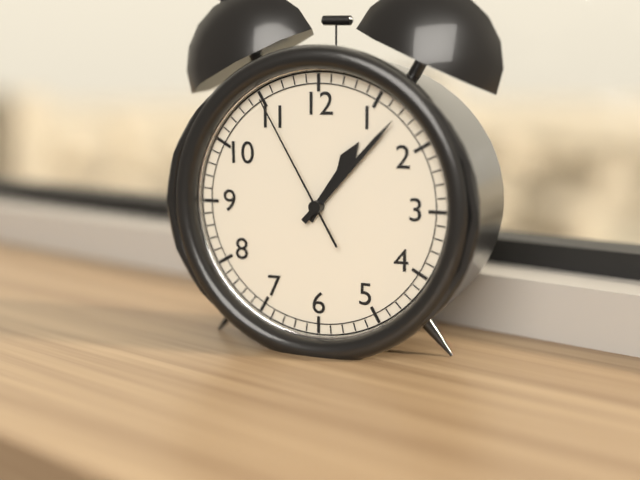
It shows {"hour": 1, "minute": 7, "second": 55}
